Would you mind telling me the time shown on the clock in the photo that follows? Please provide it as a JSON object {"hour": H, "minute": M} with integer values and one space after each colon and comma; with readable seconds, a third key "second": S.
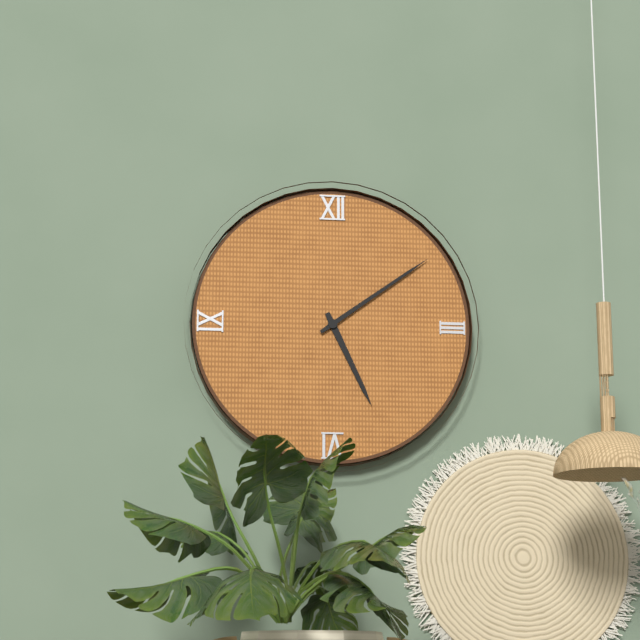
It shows {"hour": 5, "minute": 9}
